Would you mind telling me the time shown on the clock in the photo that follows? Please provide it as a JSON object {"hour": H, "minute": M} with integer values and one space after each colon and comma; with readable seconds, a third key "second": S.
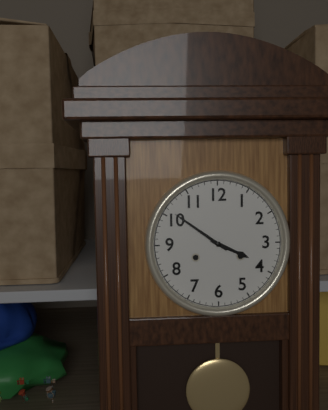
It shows {"hour": 3, "minute": 51}
